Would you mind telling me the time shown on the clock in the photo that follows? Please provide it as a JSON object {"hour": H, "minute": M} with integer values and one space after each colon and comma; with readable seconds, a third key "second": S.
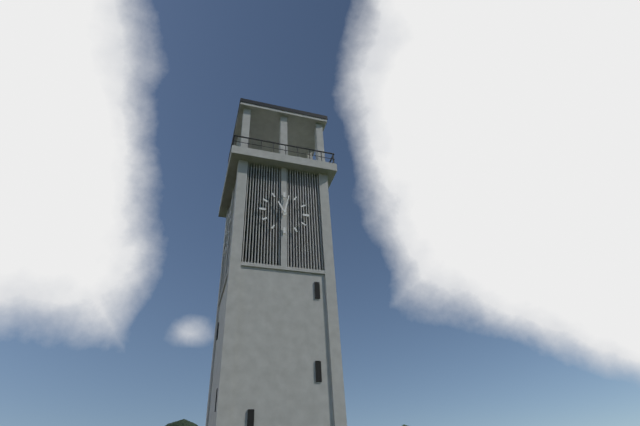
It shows {"hour": 11, "minute": 2}
